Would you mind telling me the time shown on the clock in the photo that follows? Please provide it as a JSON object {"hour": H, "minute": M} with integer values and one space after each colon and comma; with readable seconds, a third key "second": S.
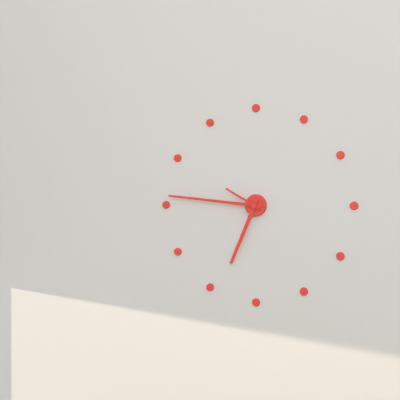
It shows {"hour": 6, "minute": 46}
